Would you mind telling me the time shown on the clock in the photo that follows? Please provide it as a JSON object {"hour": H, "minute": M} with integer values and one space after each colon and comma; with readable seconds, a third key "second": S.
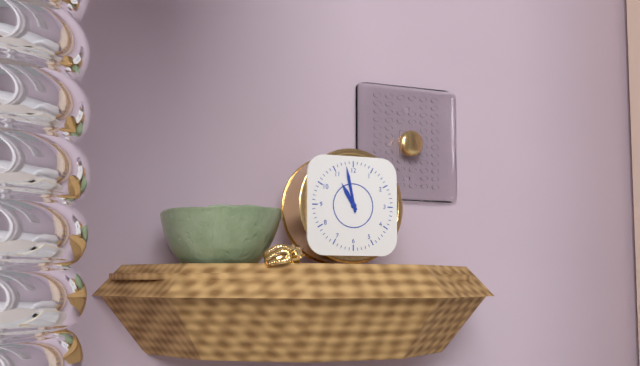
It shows {"hour": 10, "minute": 58}
